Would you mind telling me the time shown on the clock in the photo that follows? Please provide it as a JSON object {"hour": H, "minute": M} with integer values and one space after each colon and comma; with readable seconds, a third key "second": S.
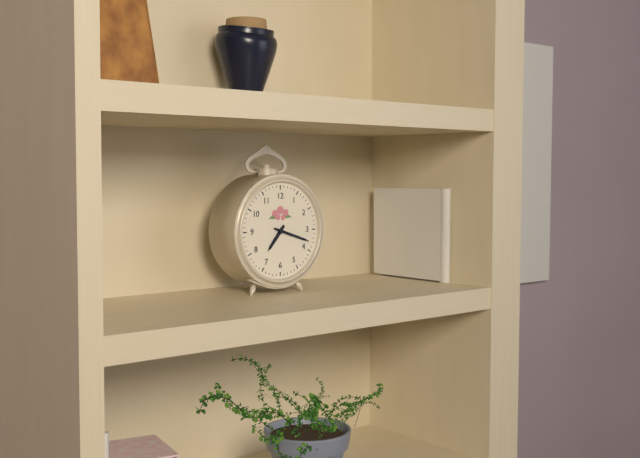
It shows {"hour": 7, "minute": 18}
